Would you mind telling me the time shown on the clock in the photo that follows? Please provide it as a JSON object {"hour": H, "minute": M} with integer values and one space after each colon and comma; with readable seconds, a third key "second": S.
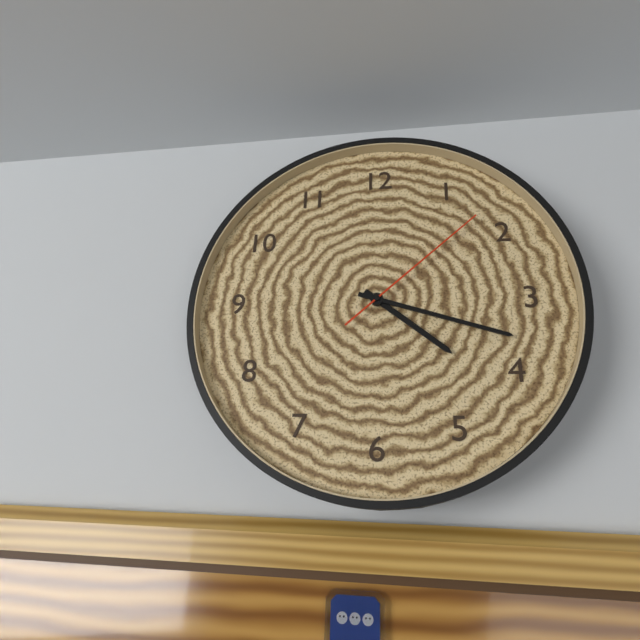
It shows {"hour": 4, "minute": 18, "second": 8}
